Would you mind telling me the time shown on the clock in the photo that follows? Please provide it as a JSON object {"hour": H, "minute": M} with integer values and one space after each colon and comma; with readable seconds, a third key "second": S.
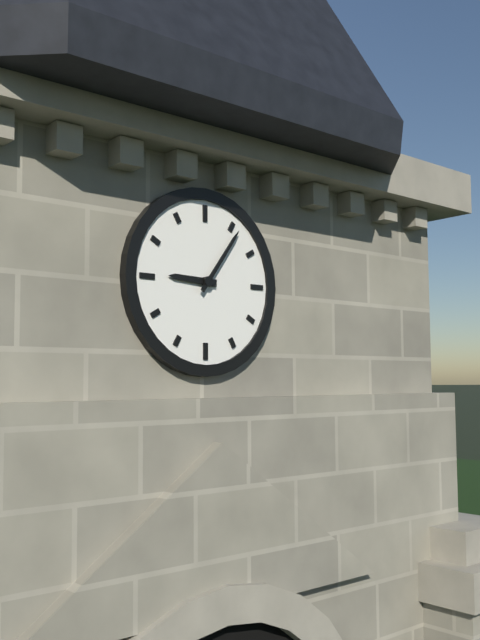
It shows {"hour": 9, "minute": 6}
